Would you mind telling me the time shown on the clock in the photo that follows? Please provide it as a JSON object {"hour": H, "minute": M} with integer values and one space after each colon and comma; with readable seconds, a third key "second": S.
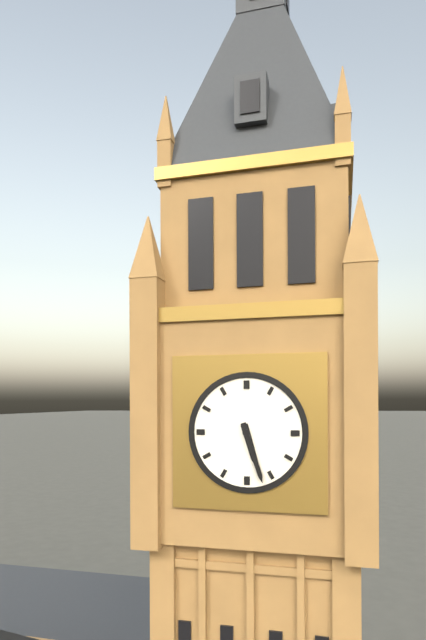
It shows {"hour": 5, "minute": 27}
